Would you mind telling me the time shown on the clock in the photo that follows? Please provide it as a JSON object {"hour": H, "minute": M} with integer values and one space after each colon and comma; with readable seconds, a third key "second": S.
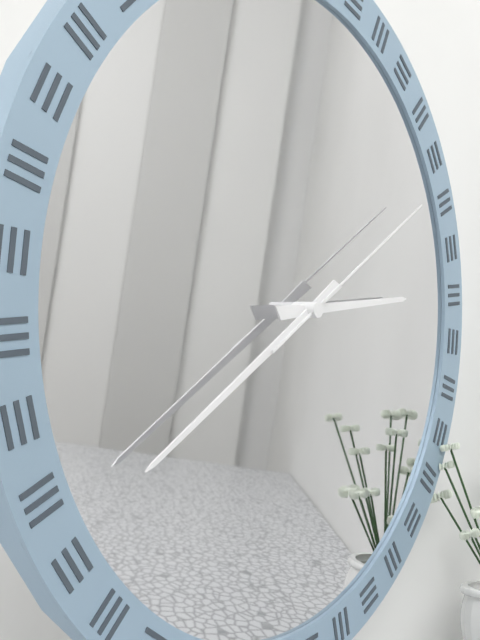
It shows {"hour": 2, "minute": 39, "second": 9}
